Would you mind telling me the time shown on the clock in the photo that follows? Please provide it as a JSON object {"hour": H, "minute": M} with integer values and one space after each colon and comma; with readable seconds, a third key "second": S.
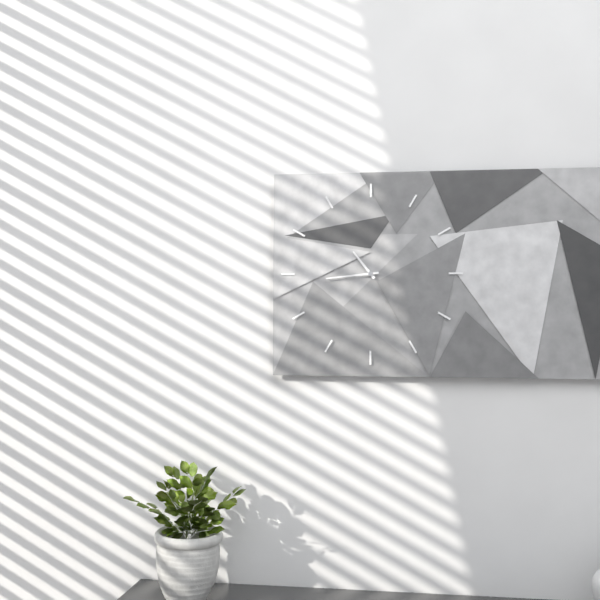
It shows {"hour": 10, "minute": 44}
